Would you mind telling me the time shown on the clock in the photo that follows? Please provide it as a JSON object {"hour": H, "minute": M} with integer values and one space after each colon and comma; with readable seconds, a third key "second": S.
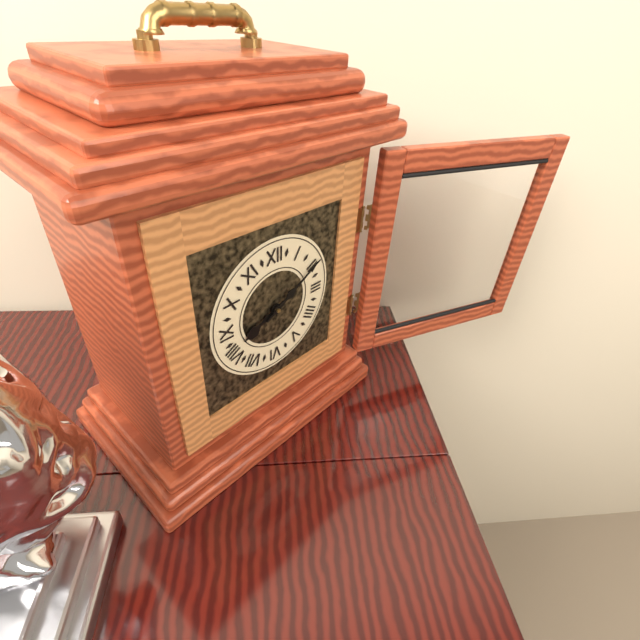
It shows {"hour": 8, "minute": 10}
